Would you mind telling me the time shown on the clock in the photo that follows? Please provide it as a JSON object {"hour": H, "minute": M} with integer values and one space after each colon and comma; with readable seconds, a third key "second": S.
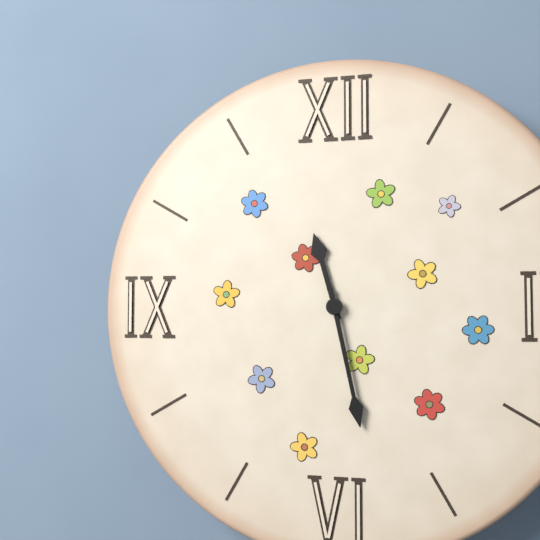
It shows {"hour": 11, "minute": 28}
